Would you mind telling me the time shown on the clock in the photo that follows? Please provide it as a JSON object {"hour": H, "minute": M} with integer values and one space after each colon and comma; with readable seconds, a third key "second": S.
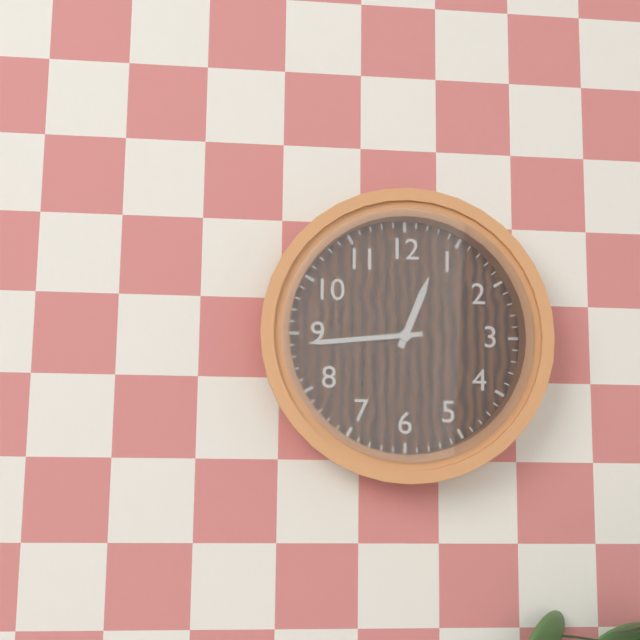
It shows {"hour": 12, "minute": 44}
